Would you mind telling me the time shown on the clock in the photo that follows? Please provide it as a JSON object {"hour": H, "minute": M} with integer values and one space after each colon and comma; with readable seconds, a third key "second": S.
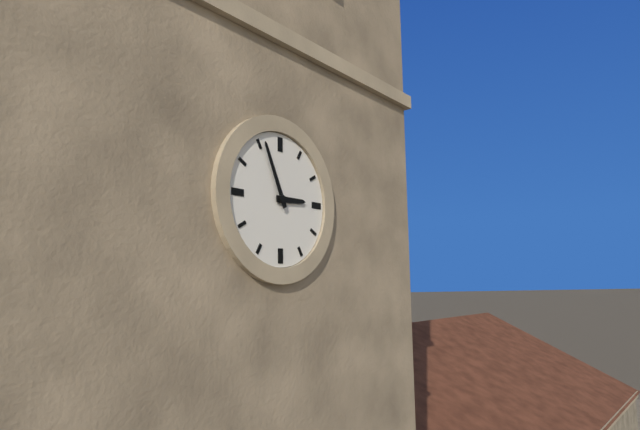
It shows {"hour": 2, "minute": 56}
